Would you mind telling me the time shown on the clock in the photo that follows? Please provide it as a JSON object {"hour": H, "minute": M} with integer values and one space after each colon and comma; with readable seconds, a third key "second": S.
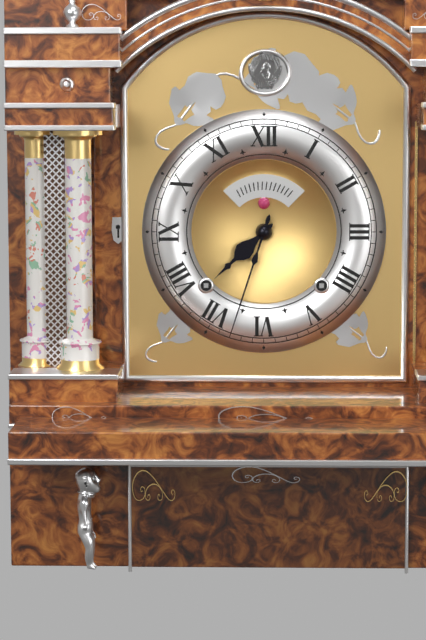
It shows {"hour": 7, "minute": 33}
